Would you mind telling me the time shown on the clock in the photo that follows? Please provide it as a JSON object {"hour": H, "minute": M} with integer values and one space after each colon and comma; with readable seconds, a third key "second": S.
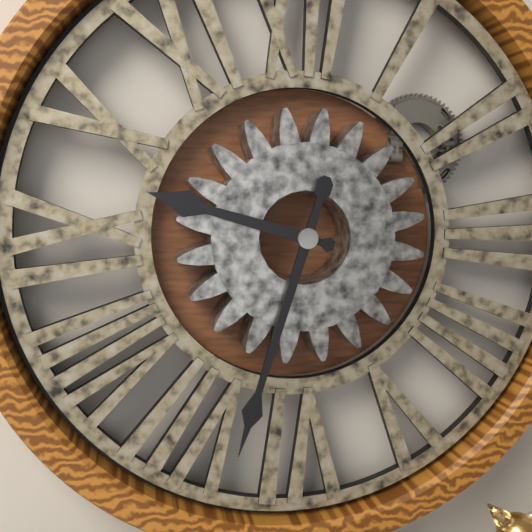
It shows {"hour": 9, "minute": 33}
